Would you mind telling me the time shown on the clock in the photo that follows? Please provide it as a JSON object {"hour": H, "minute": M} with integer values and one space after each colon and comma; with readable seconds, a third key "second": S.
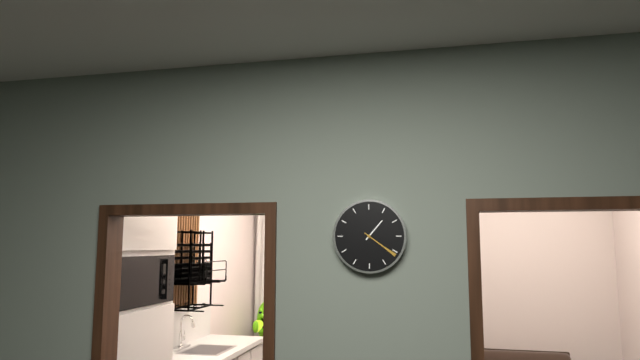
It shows {"hour": 1, "minute": 21}
